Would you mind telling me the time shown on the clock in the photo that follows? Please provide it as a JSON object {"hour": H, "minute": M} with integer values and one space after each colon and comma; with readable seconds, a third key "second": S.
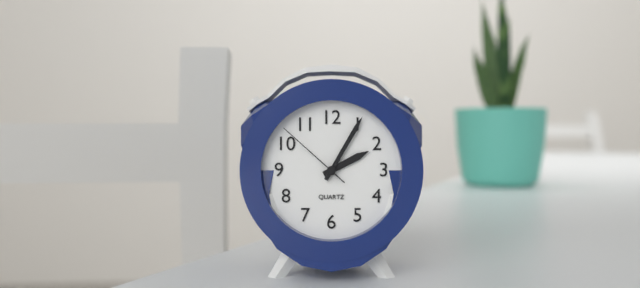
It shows {"hour": 2, "minute": 5, "second": 52}
